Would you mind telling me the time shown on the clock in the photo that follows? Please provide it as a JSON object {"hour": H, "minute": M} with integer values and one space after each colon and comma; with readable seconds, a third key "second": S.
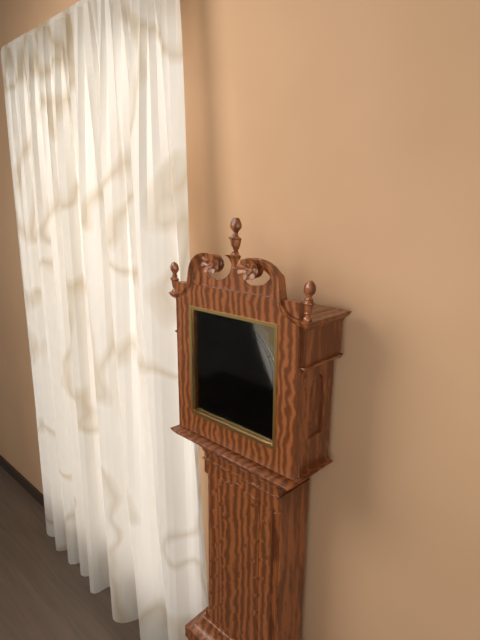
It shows {"hour": 10, "minute": 49}
